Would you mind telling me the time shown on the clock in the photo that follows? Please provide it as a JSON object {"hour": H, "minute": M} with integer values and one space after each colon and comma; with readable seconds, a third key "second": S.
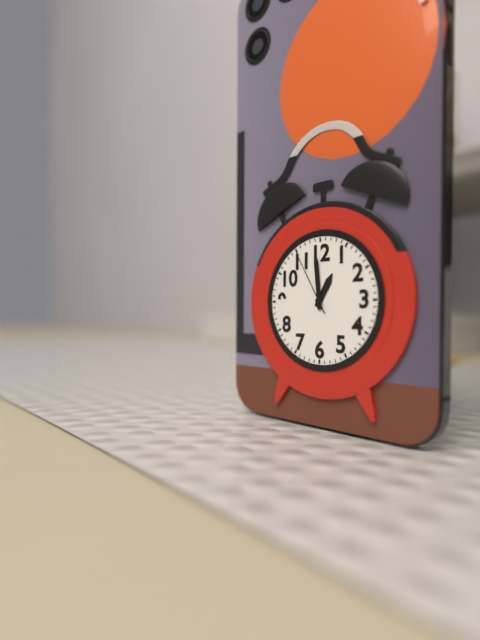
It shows {"hour": 12, "minute": 59, "second": 55}
